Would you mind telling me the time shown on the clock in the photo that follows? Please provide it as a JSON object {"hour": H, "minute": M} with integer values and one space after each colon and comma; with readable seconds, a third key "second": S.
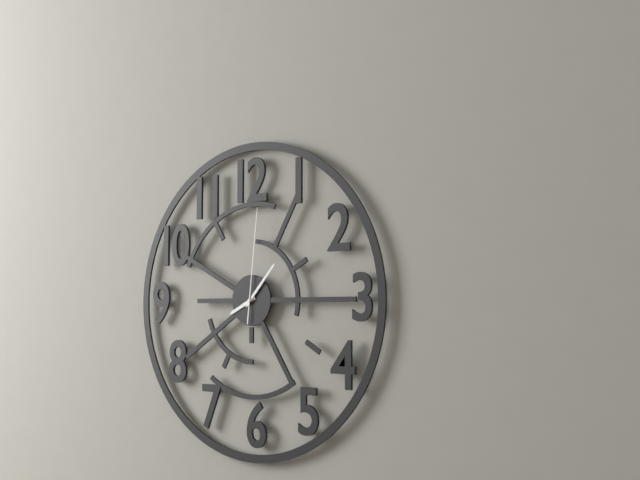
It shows {"hour": 8, "minute": 7, "second": 1}
